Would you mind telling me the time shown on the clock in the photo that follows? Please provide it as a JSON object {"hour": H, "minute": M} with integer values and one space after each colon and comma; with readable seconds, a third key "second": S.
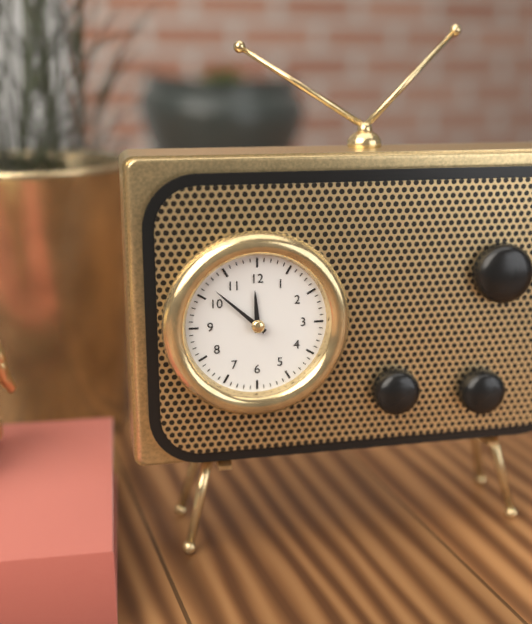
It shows {"hour": 11, "minute": 52}
